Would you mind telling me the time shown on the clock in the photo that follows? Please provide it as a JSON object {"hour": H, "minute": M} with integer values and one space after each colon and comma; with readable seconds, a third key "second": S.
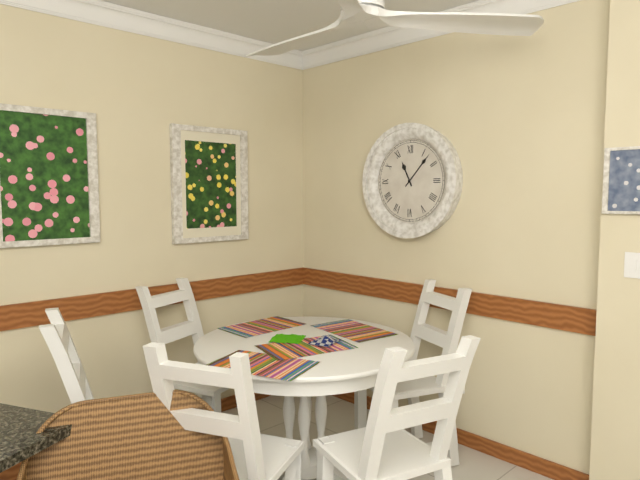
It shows {"hour": 11, "minute": 7}
